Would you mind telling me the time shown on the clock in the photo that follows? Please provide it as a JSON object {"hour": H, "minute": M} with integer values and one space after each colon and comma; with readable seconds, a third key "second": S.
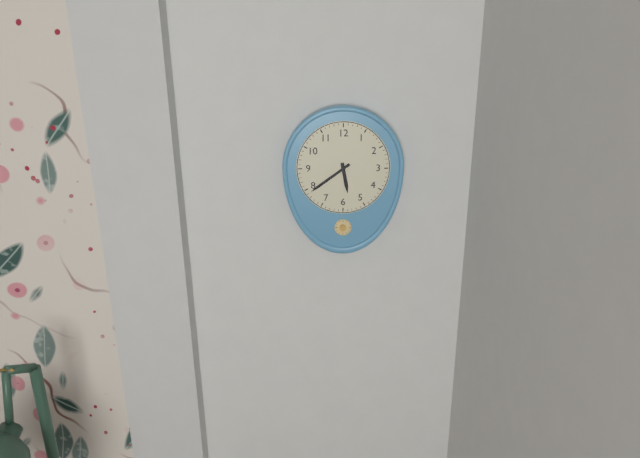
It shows {"hour": 5, "minute": 39}
